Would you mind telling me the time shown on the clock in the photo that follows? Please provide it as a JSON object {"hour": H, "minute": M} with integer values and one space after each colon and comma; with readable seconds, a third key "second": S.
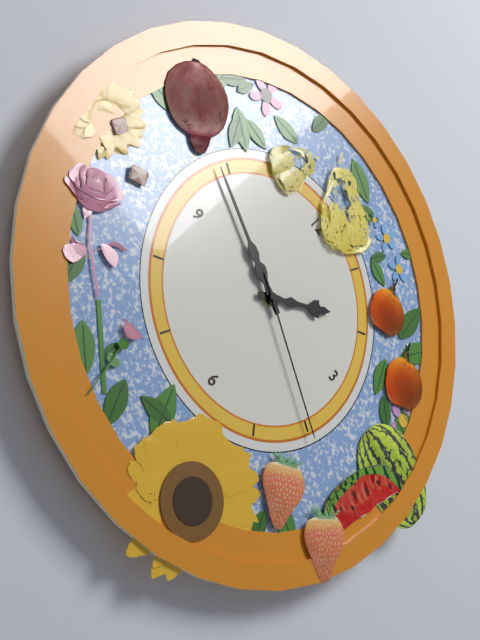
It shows {"hour": 1, "minute": 49, "second": 20}
